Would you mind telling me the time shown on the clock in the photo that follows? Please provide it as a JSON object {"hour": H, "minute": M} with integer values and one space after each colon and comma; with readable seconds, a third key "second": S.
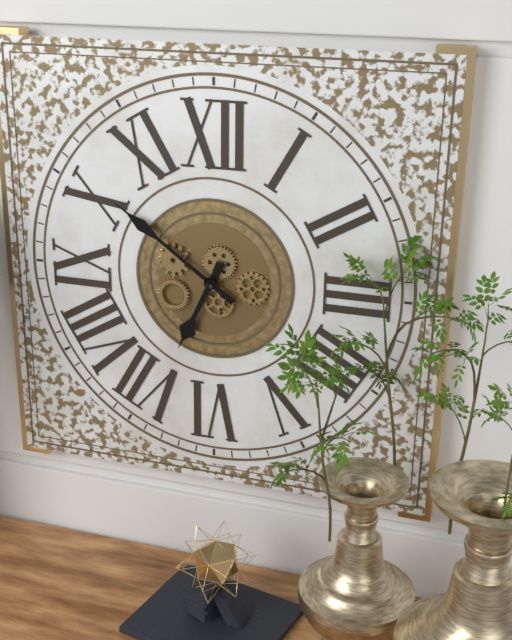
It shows {"hour": 6, "minute": 51}
